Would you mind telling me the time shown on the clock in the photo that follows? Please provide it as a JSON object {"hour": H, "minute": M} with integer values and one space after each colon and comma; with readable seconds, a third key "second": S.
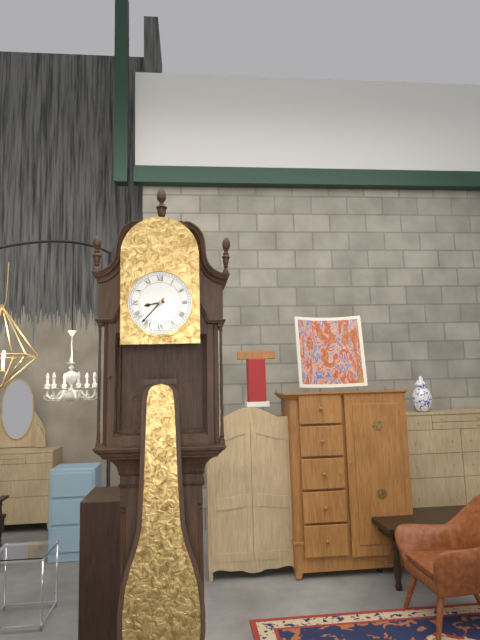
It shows {"hour": 8, "minute": 37}
